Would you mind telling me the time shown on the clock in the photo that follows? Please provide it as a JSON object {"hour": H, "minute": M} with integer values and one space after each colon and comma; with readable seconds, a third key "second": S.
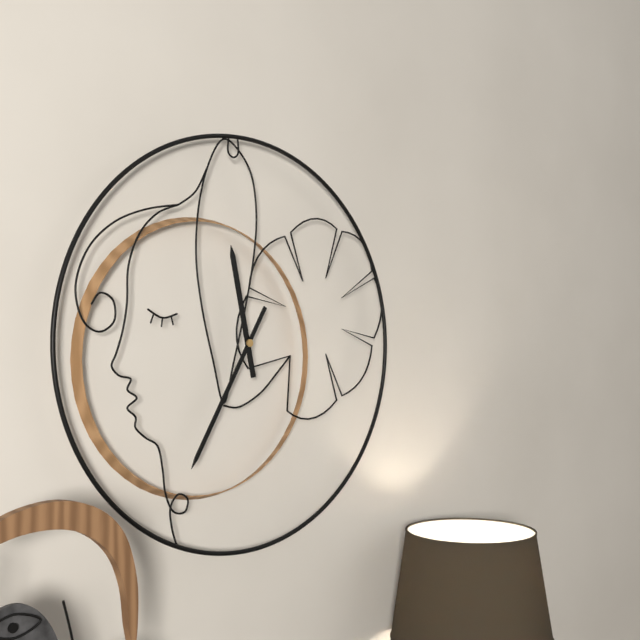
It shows {"hour": 11, "minute": 35}
